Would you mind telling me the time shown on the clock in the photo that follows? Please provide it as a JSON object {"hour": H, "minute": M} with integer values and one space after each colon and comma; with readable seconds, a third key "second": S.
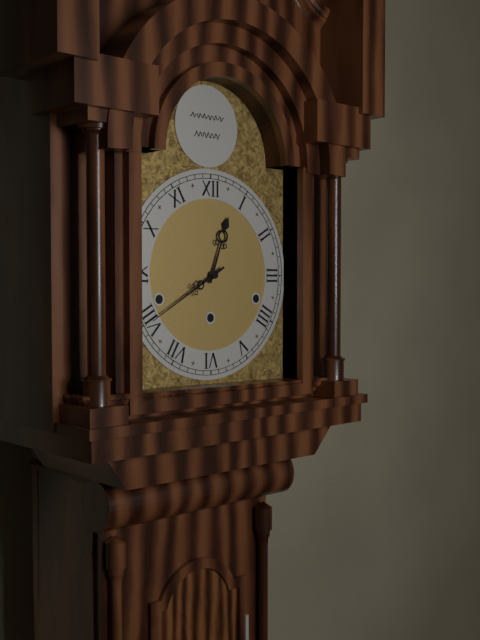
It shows {"hour": 12, "minute": 40}
